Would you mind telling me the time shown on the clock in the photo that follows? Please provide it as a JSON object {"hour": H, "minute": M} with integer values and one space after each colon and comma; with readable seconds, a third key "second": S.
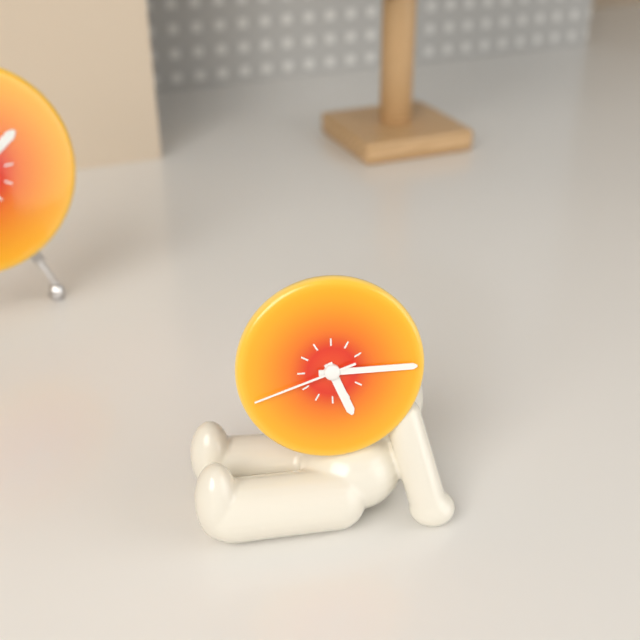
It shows {"hour": 5, "minute": 15, "second": 42}
